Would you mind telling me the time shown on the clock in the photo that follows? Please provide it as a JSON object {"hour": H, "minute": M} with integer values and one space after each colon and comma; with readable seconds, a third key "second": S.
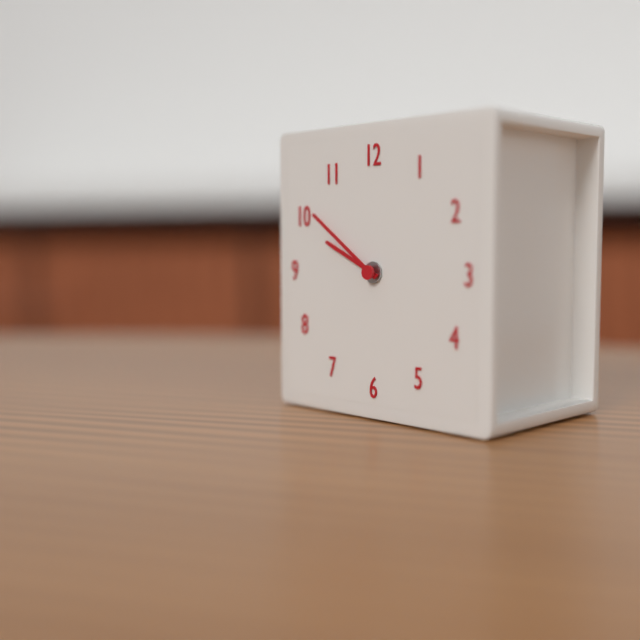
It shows {"hour": 9, "minute": 51}
